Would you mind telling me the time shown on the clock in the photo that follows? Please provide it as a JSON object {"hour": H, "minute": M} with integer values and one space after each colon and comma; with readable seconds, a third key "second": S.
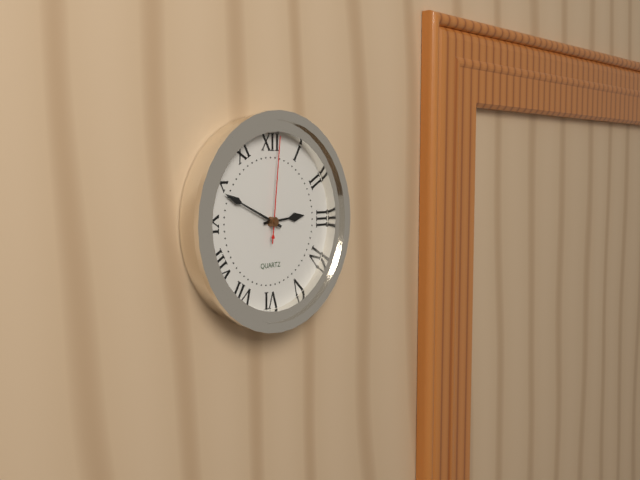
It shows {"hour": 2, "minute": 49, "second": 1}
